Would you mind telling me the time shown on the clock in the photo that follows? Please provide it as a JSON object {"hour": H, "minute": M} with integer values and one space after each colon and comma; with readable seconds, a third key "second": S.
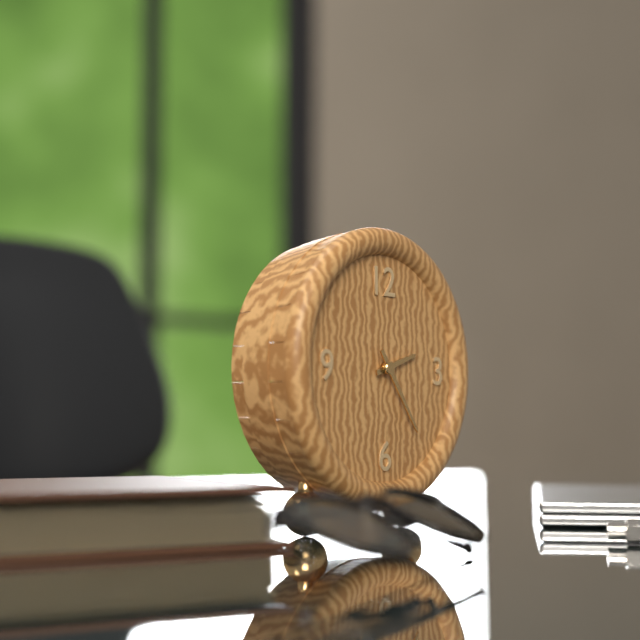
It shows {"hour": 2, "minute": 24}
